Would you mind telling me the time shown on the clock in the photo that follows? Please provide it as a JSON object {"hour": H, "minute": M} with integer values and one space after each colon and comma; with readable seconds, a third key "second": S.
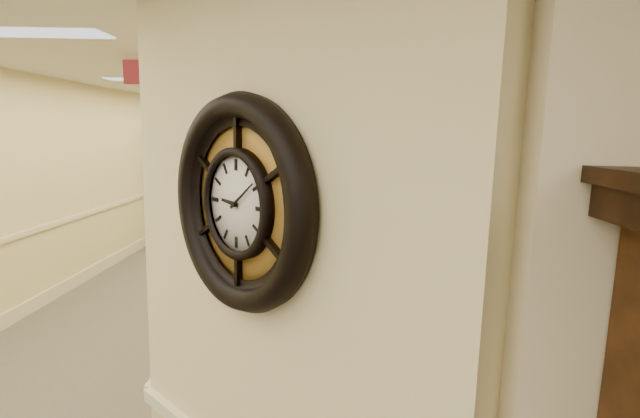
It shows {"hour": 9, "minute": 9}
